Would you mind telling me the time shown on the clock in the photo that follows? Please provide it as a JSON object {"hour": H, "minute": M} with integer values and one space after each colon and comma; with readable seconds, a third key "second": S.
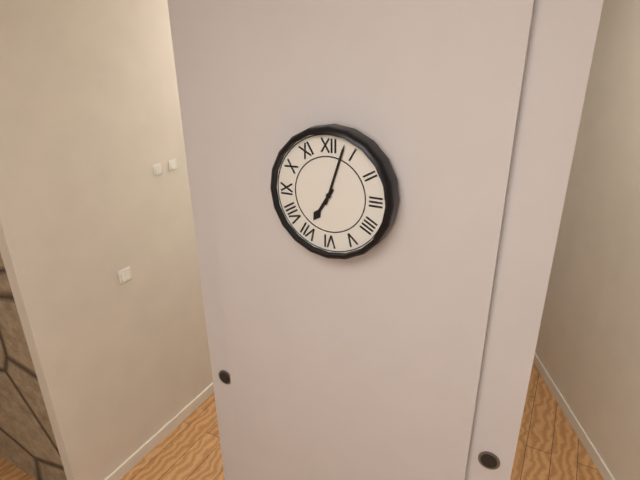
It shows {"hour": 7, "minute": 3}
